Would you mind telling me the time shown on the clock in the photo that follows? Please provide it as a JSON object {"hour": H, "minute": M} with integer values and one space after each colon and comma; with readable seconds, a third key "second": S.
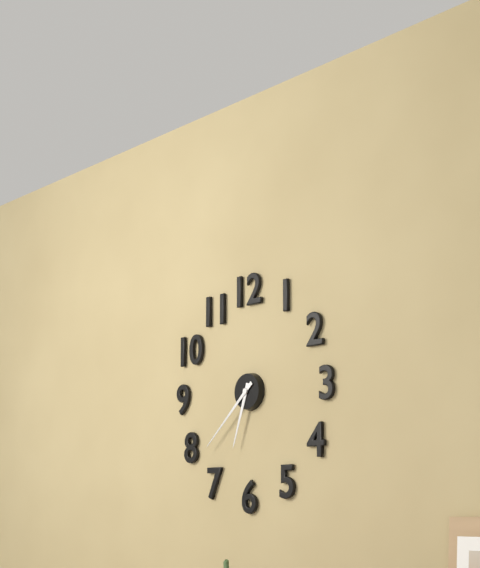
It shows {"hour": 6, "minute": 38}
